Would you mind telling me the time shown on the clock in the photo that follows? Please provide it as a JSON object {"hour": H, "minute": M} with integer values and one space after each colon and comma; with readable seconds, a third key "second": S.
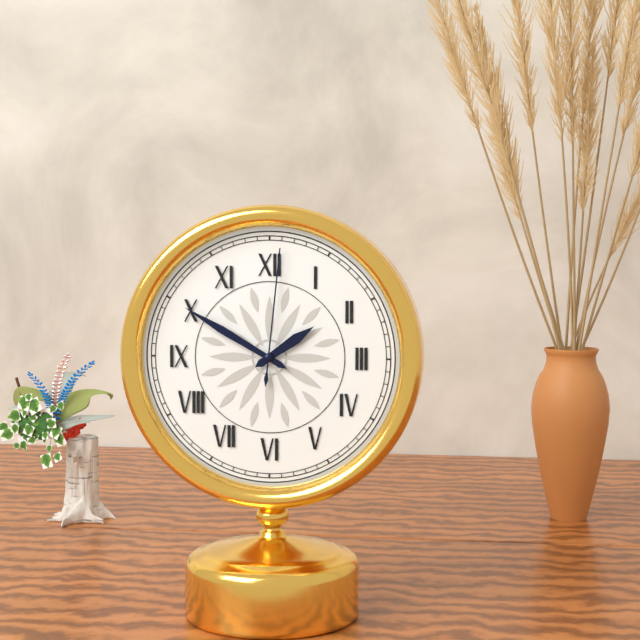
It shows {"hour": 1, "minute": 50, "second": 1}
